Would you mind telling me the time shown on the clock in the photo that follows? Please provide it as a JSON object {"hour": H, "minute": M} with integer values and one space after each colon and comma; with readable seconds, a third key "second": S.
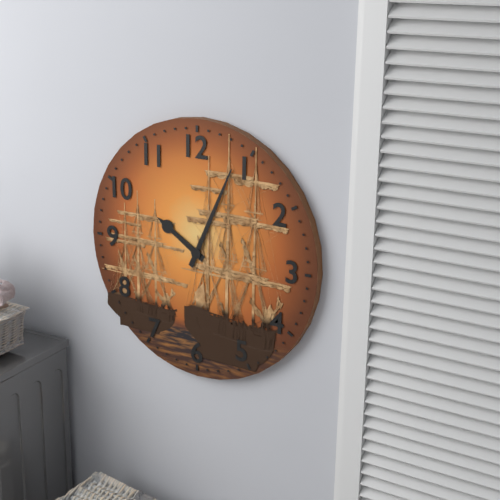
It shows {"hour": 10, "minute": 4}
